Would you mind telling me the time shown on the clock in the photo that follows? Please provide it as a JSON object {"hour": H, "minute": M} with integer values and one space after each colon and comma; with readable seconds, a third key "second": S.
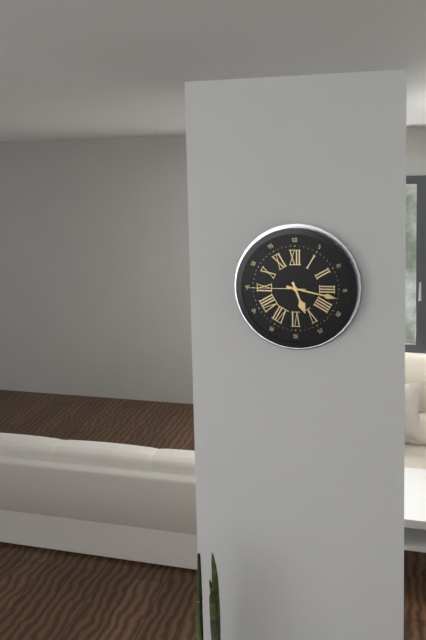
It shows {"hour": 5, "minute": 17, "second": 45}
